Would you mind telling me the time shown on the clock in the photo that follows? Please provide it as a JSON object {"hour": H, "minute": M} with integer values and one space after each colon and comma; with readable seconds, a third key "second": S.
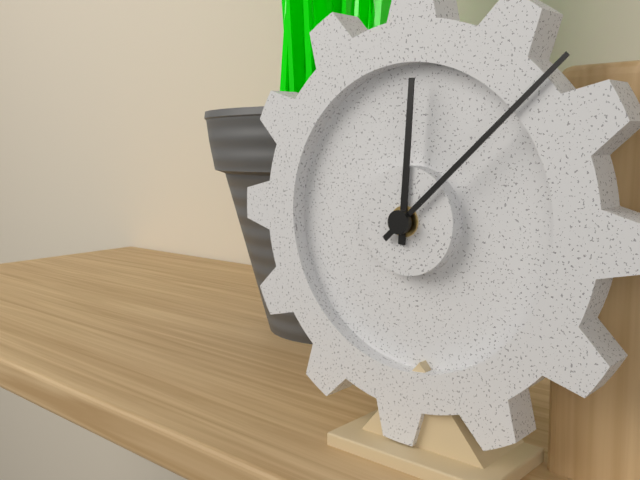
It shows {"hour": 12, "minute": 8}
